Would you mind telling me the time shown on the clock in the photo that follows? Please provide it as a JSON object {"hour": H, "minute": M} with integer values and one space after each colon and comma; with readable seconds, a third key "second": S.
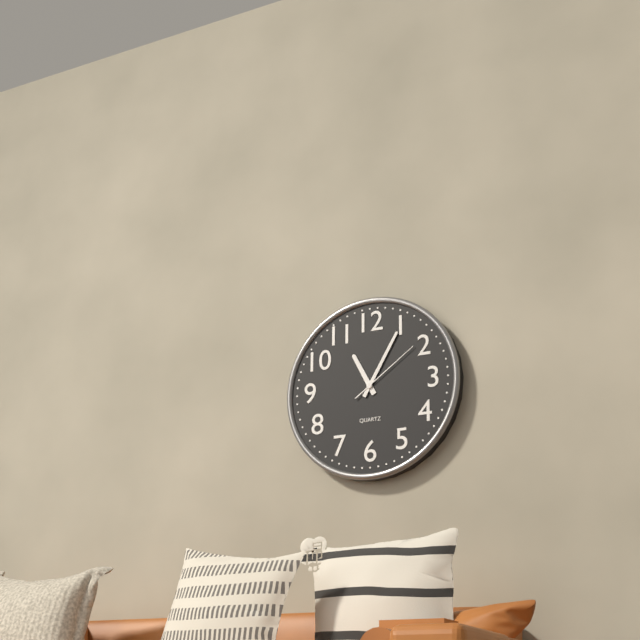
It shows {"hour": 11, "minute": 5, "second": 9}
